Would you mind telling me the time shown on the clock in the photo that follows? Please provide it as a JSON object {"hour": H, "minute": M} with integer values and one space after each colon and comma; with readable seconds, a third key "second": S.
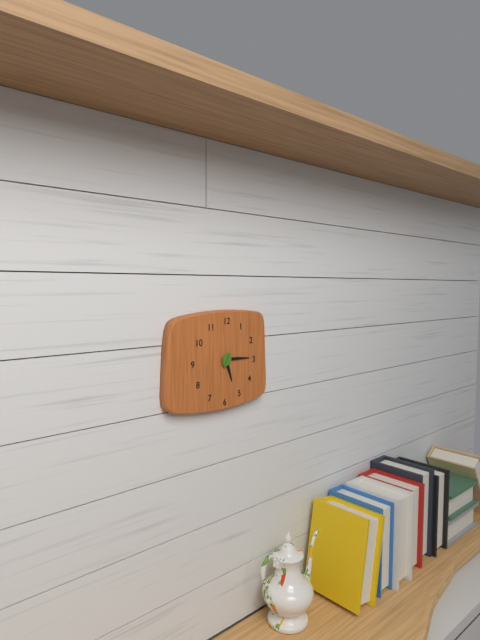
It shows {"hour": 5, "minute": 15}
